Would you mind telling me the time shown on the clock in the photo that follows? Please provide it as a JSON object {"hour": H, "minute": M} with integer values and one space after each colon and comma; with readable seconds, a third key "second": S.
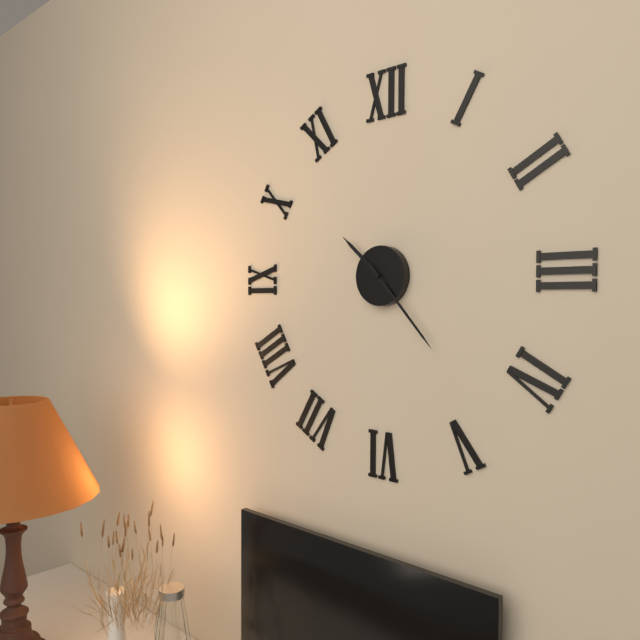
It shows {"hour": 10, "minute": 23}
